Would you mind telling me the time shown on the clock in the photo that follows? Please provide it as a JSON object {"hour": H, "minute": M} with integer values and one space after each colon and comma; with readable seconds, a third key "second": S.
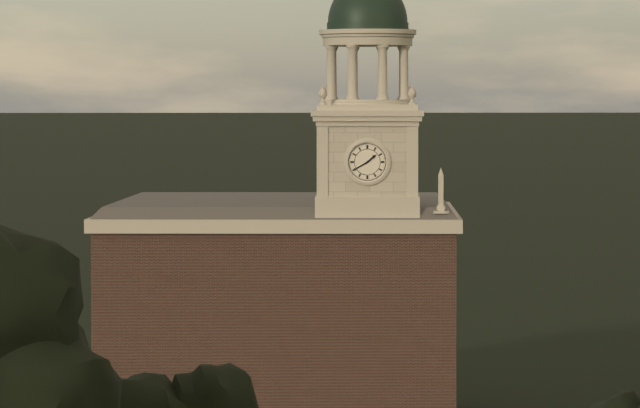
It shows {"hour": 1, "minute": 40}
